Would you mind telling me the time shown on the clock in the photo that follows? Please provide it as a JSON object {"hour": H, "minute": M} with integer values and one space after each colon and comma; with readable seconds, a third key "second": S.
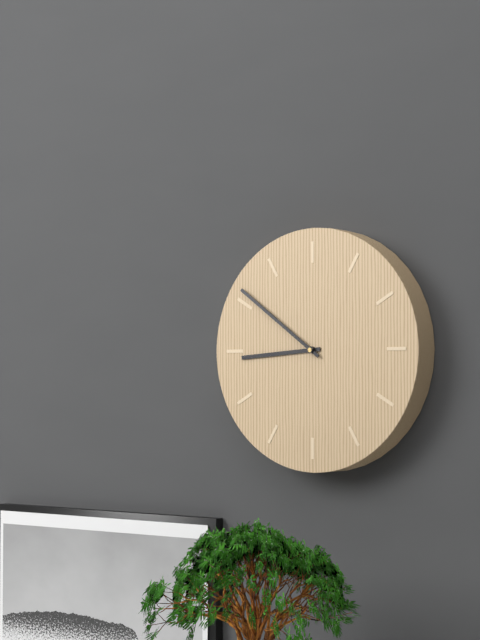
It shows {"hour": 8, "minute": 51}
